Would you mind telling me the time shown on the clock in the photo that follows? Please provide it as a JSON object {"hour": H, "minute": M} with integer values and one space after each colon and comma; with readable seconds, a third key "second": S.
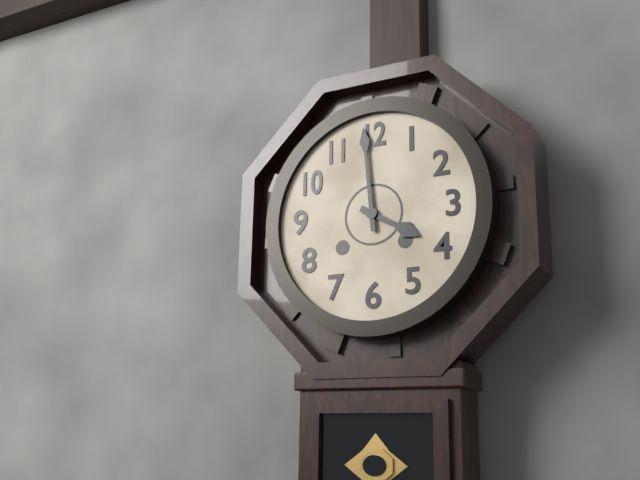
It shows {"hour": 3, "minute": 59}
